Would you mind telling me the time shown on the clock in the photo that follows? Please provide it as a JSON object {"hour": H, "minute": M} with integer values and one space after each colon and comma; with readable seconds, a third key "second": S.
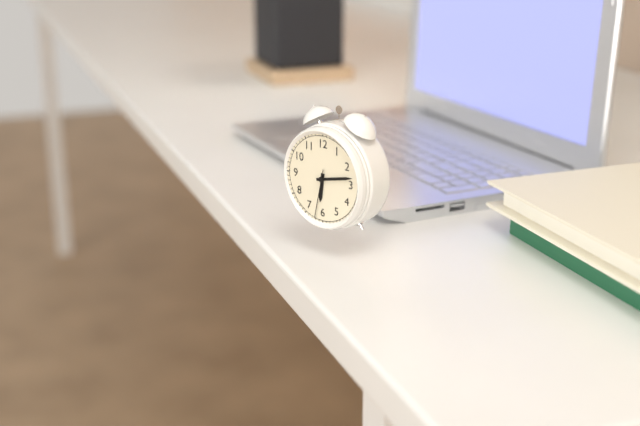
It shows {"hour": 6, "minute": 13}
